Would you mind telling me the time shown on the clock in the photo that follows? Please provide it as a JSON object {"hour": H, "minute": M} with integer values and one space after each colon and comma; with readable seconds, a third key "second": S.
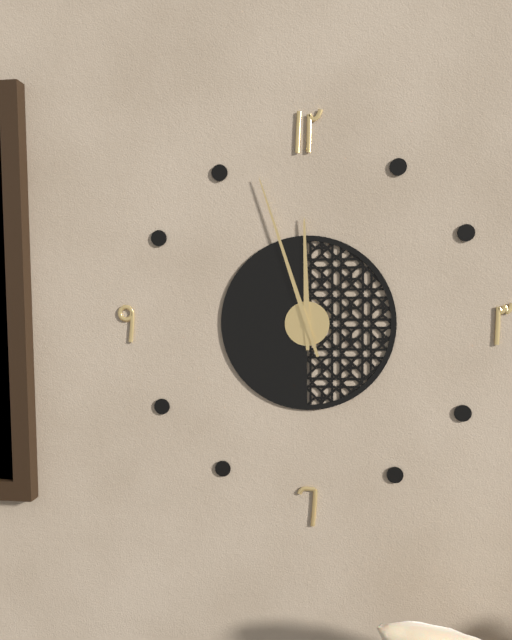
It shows {"hour": 11, "minute": 57}
